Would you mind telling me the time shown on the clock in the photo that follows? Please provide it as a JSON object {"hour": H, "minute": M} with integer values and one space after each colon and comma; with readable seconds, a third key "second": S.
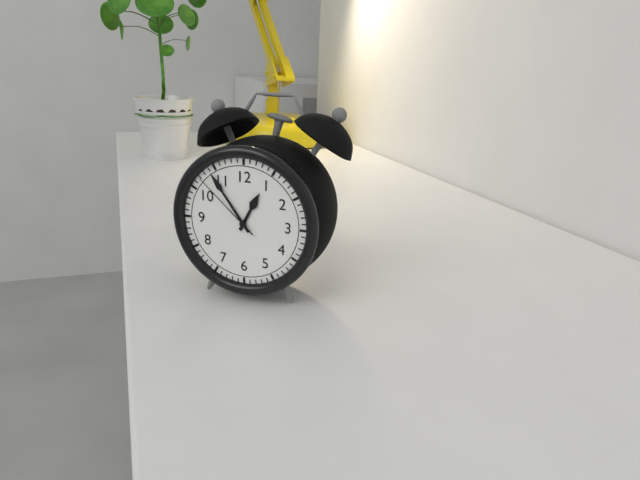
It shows {"hour": 12, "minute": 54, "second": 52}
